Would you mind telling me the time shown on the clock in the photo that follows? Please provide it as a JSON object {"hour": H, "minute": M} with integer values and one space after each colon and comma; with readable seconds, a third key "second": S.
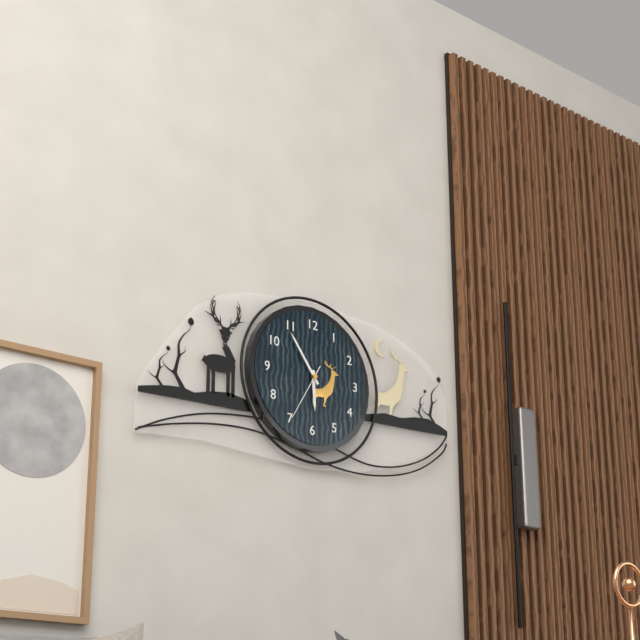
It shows {"hour": 5, "minute": 54, "second": 35}
